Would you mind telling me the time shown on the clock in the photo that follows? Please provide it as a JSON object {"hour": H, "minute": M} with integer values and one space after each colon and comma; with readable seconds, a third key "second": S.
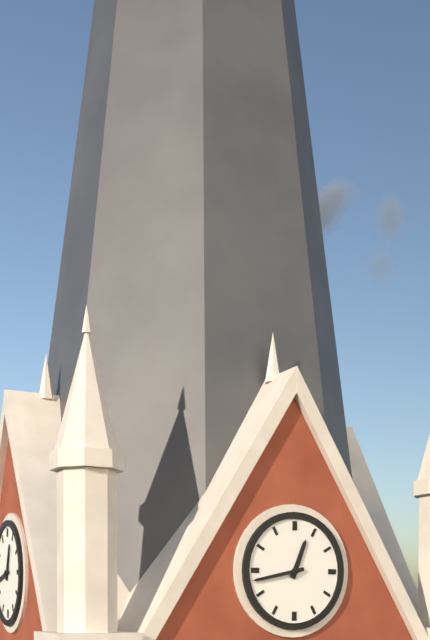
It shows {"hour": 12, "minute": 43}
